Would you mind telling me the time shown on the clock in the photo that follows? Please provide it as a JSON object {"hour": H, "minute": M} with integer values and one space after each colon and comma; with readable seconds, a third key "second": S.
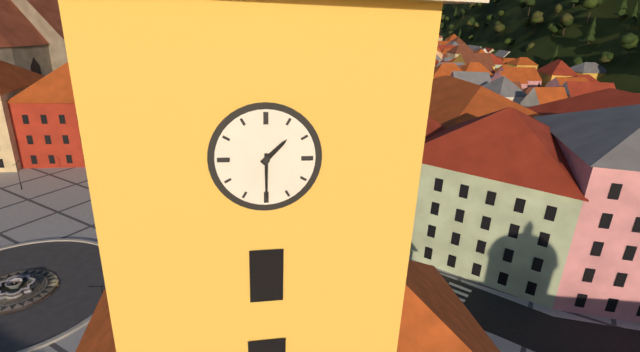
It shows {"hour": 1, "minute": 30}
